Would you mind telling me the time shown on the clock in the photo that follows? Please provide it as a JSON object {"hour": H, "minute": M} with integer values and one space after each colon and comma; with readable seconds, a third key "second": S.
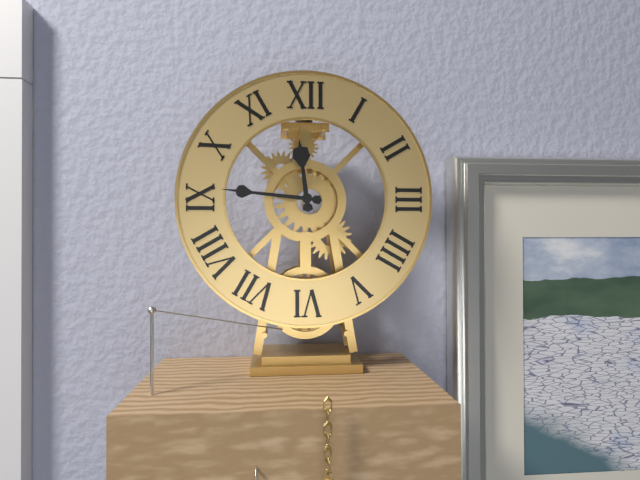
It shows {"hour": 11, "minute": 46}
